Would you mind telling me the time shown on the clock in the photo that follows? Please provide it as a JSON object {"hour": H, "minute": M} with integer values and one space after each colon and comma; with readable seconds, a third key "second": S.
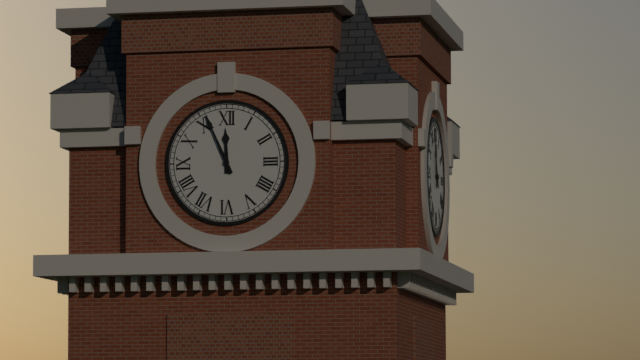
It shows {"hour": 11, "minute": 56}
